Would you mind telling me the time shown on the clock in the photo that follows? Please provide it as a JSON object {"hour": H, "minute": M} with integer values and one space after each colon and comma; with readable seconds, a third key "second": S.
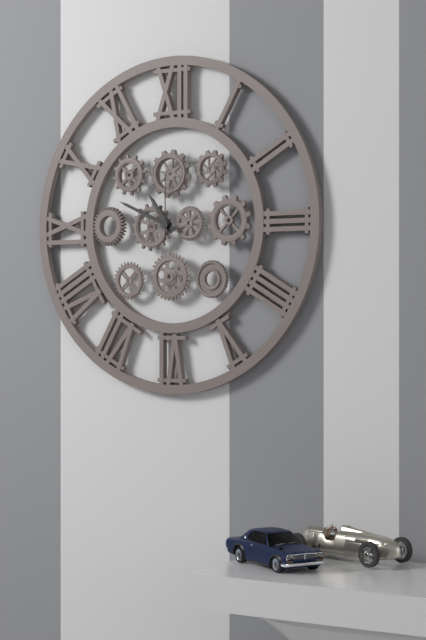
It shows {"hour": 10, "minute": 49, "second": 0}
